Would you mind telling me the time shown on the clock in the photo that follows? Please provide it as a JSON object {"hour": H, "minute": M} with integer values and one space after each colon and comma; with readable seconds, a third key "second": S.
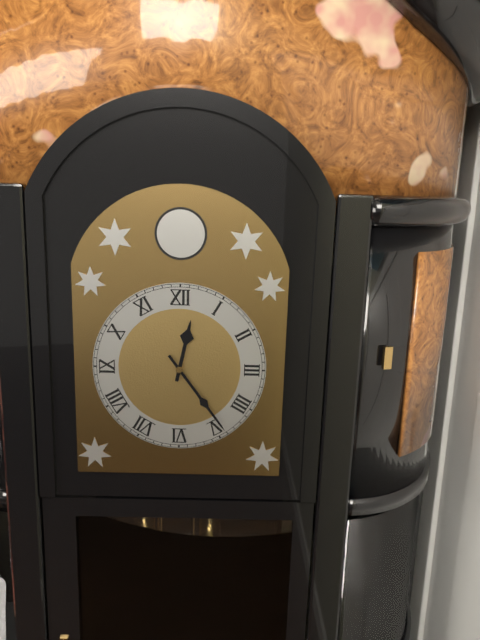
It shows {"hour": 12, "minute": 24}
